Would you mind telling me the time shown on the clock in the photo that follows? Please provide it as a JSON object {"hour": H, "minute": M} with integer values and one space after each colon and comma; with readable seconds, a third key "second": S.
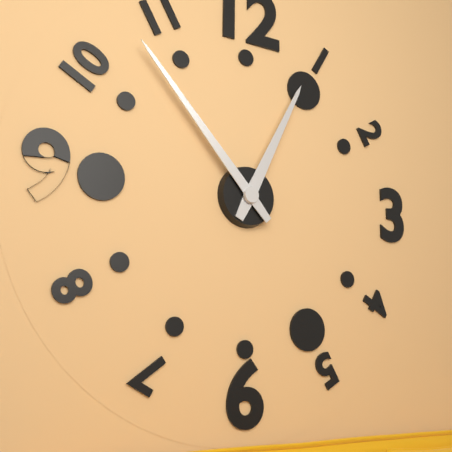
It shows {"hour": 12, "minute": 53}
